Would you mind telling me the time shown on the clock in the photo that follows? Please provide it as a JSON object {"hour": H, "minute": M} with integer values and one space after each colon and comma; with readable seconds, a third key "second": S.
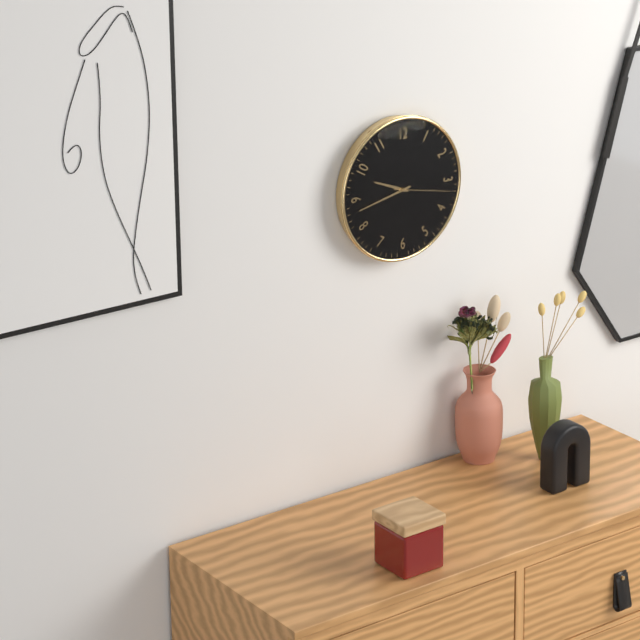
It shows {"hour": 9, "minute": 43, "second": 17}
